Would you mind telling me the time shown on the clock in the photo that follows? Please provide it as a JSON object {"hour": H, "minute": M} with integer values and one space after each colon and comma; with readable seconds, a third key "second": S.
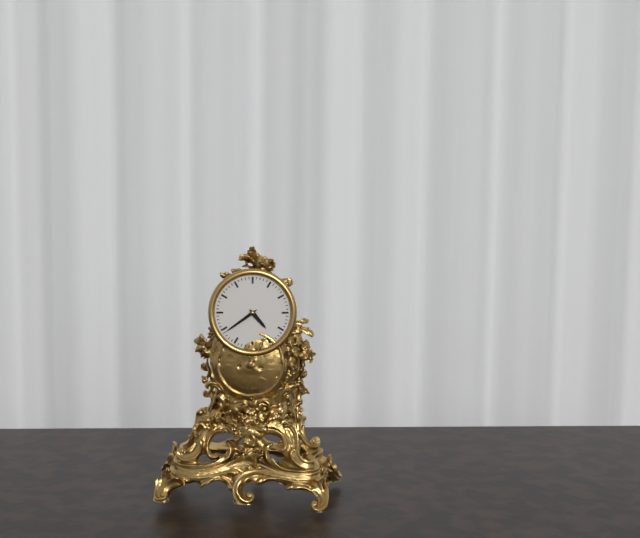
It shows {"hour": 4, "minute": 39}
